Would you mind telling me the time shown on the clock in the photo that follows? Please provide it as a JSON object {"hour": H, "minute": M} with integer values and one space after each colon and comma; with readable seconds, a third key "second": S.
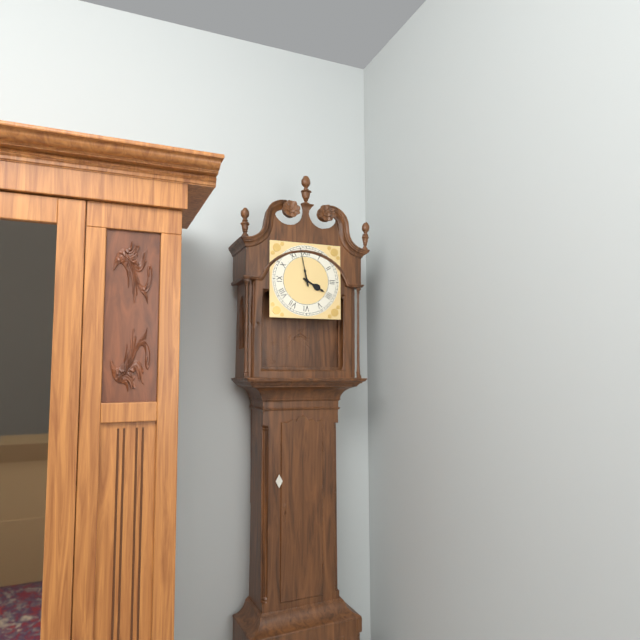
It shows {"hour": 3, "minute": 58}
